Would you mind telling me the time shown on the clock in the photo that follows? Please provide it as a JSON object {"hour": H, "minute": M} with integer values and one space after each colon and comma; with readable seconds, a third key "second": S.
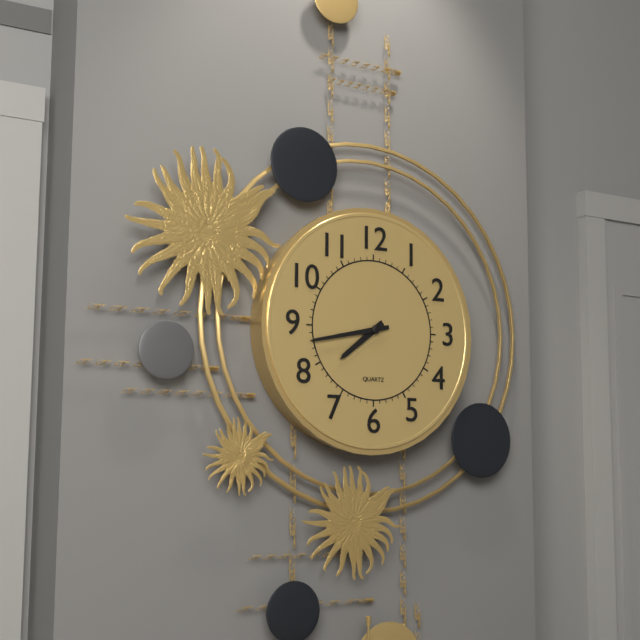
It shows {"hour": 7, "minute": 43}
